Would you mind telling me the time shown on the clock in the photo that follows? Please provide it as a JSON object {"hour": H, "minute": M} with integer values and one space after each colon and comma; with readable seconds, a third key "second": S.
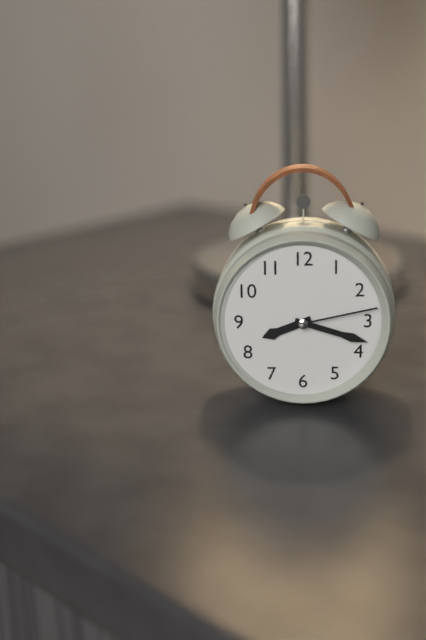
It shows {"hour": 8, "minute": 18, "second": 13}
